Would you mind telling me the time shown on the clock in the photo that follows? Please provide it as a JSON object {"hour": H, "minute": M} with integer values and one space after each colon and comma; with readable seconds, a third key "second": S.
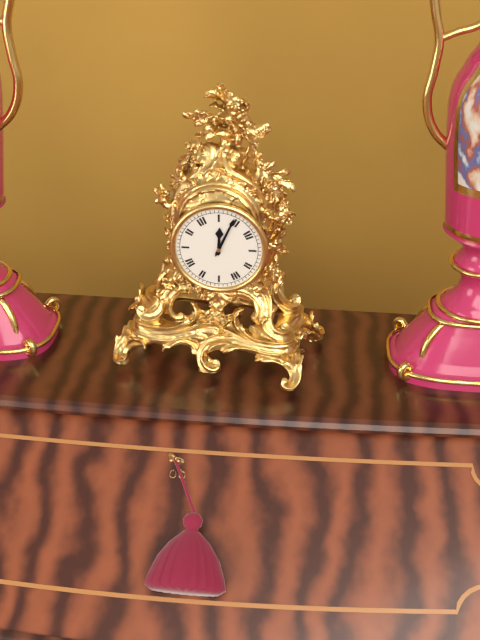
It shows {"hour": 12, "minute": 4}
